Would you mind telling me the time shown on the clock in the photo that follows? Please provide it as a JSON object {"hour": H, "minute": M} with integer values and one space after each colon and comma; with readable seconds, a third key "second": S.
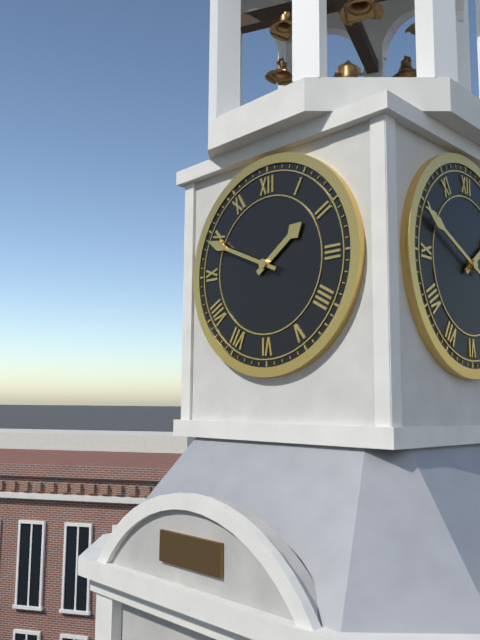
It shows {"hour": 1, "minute": 49}
